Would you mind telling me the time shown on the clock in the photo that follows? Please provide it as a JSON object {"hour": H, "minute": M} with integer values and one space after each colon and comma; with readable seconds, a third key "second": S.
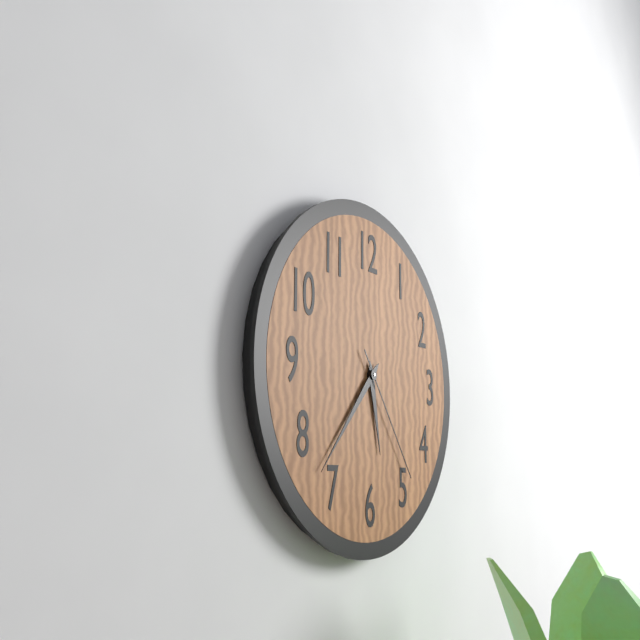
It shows {"hour": 5, "minute": 37, "second": 24}
